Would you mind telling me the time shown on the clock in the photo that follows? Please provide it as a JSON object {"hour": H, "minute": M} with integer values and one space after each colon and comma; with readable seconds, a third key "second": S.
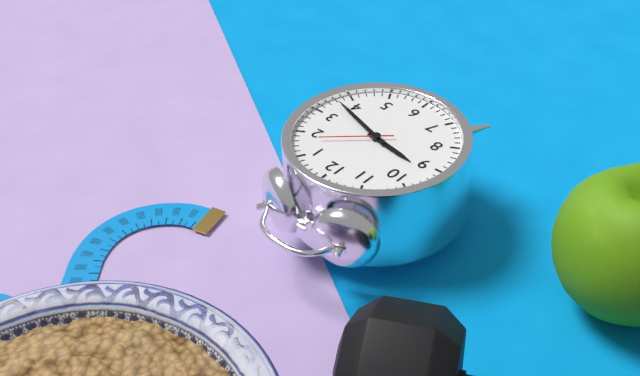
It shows {"hour": 9, "minute": 18, "second": 8}
